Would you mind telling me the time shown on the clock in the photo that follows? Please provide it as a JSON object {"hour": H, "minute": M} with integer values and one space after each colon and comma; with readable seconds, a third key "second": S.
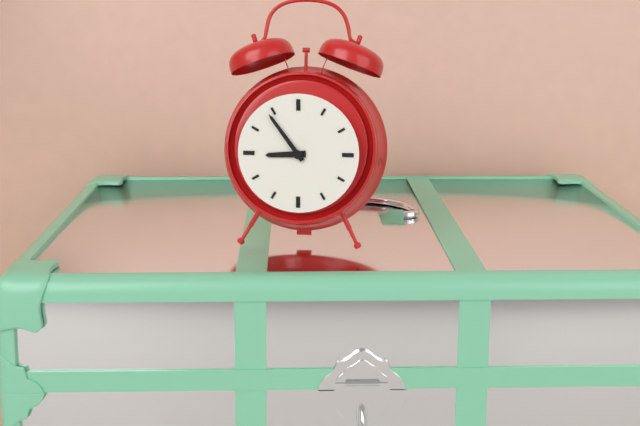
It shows {"hour": 8, "minute": 54}
